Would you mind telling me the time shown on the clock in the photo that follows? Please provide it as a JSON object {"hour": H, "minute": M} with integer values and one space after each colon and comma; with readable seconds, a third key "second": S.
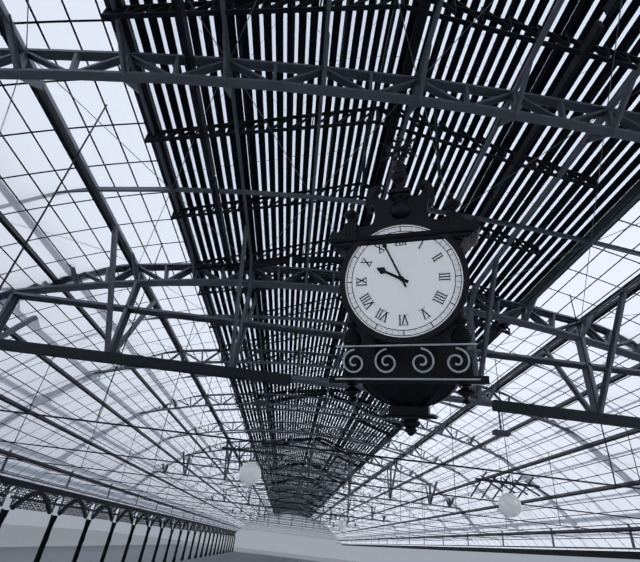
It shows {"hour": 9, "minute": 56}
